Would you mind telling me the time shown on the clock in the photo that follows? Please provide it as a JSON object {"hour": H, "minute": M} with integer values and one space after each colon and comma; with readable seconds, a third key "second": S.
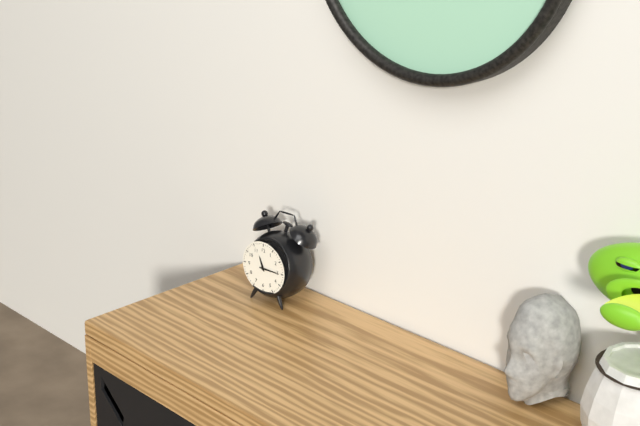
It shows {"hour": 11, "minute": 15}
